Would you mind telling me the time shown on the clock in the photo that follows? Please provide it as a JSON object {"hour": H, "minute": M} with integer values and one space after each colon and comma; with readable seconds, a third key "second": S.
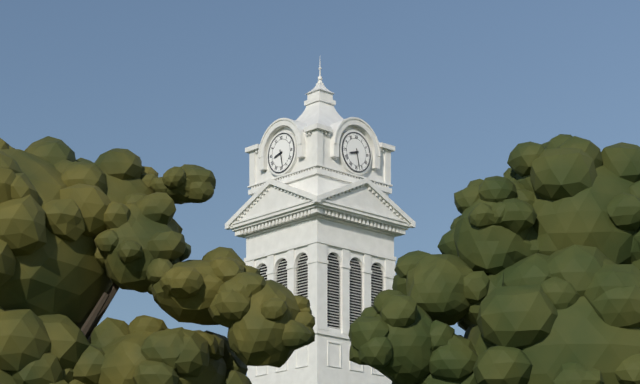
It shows {"hour": 8, "minute": 28}
